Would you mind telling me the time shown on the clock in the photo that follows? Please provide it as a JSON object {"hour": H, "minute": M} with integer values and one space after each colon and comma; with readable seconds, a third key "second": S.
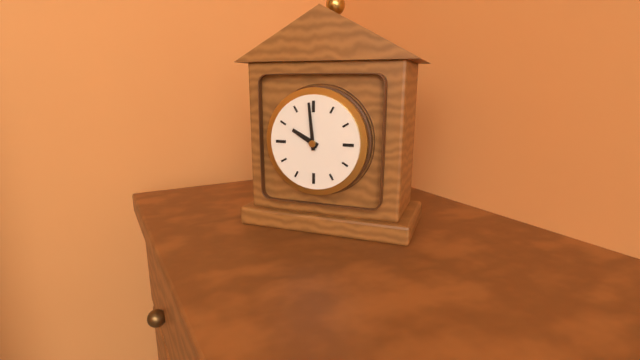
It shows {"hour": 9, "minute": 59}
